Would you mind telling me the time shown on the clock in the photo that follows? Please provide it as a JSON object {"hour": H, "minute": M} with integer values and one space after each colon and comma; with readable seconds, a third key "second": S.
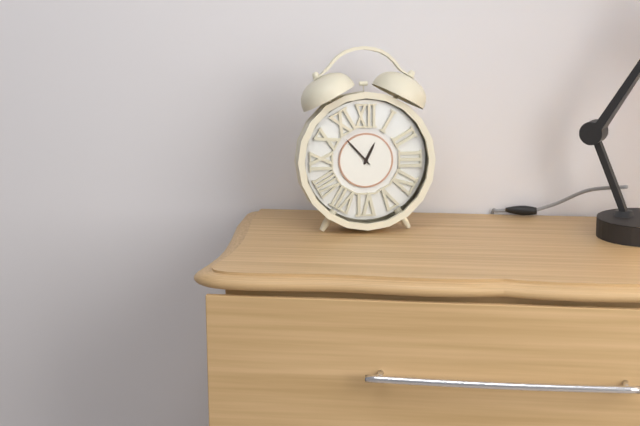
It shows {"hour": 12, "minute": 53}
